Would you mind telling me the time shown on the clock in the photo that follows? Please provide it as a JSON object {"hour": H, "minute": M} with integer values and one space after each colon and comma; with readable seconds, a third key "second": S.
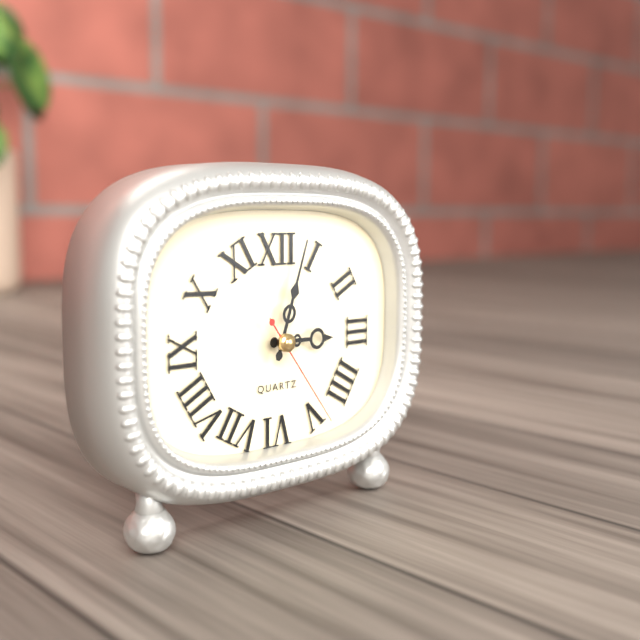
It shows {"hour": 3, "minute": 3, "second": 24}
